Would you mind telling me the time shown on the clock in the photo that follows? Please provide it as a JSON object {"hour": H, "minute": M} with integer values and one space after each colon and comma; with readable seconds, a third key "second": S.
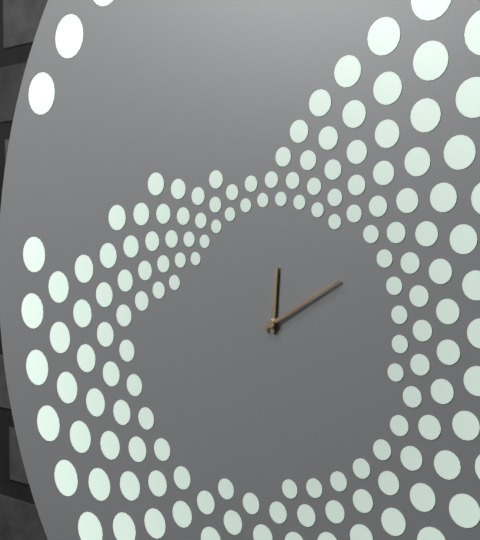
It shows {"hour": 12, "minute": 10}
